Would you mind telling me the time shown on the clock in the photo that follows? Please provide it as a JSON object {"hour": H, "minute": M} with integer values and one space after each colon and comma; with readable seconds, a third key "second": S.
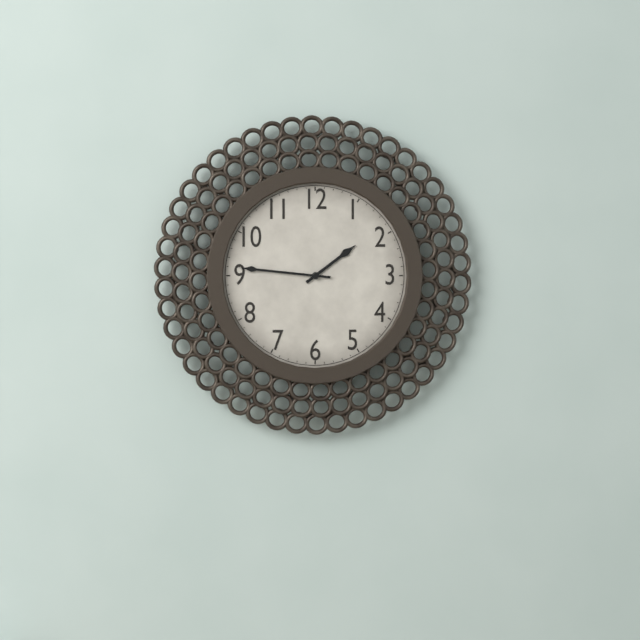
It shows {"hour": 1, "minute": 46}
